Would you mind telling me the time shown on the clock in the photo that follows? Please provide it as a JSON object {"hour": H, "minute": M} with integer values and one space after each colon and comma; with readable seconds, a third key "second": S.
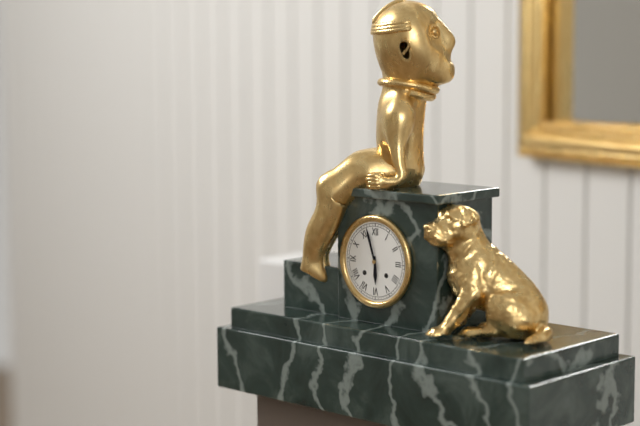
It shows {"hour": 5, "minute": 57}
